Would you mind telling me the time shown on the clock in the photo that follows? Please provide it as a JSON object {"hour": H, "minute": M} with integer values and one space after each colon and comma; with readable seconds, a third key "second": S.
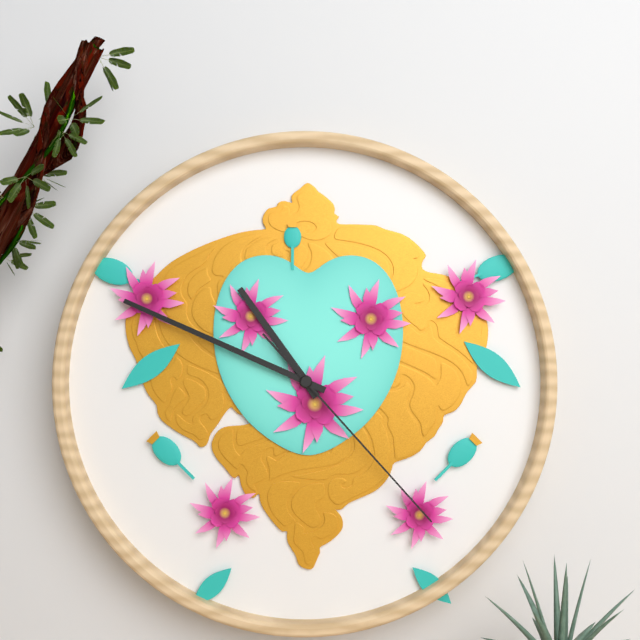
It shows {"hour": 10, "minute": 49, "second": 23}
